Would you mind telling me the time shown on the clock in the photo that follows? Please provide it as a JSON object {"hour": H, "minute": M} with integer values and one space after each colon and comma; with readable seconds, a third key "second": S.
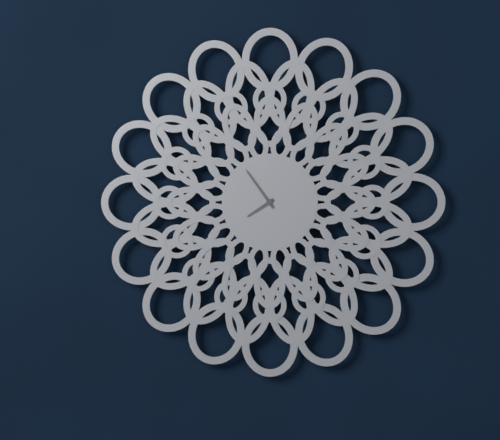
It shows {"hour": 7, "minute": 54}
